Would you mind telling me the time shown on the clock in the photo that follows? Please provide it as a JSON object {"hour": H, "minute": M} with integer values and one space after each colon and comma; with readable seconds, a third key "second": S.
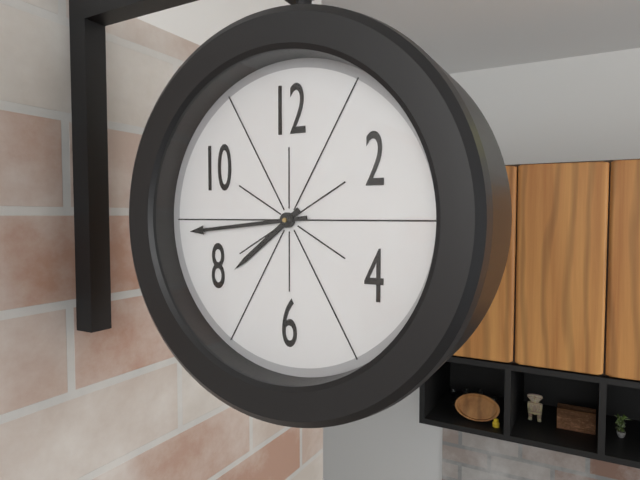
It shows {"hour": 7, "minute": 44}
